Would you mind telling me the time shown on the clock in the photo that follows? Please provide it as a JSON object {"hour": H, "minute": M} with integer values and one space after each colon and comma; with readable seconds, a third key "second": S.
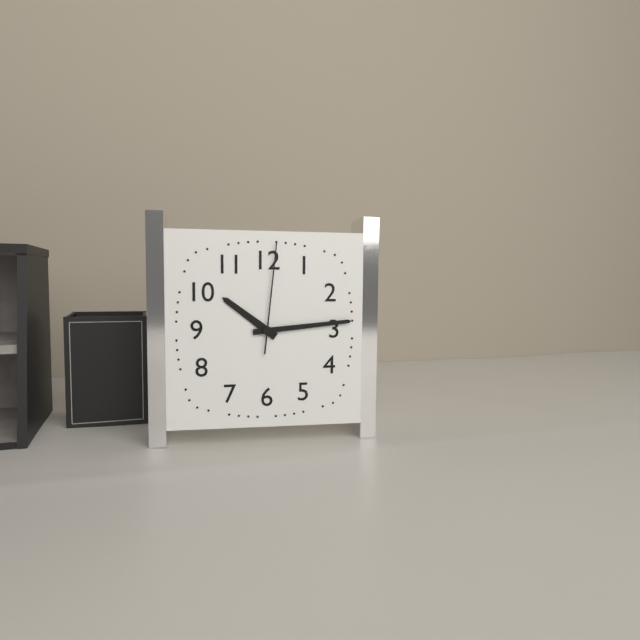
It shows {"hour": 10, "minute": 14, "second": 1}
